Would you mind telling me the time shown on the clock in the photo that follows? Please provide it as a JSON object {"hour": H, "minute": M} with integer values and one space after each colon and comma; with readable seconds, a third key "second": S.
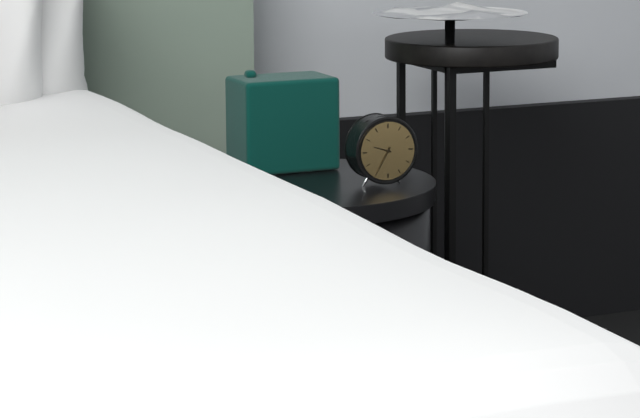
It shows {"hour": 9, "minute": 35}
